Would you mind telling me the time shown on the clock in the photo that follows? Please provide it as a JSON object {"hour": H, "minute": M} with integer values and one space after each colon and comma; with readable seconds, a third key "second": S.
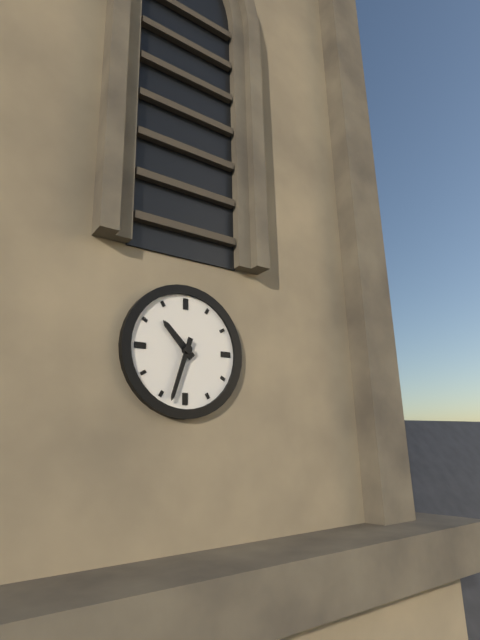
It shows {"hour": 10, "minute": 33}
